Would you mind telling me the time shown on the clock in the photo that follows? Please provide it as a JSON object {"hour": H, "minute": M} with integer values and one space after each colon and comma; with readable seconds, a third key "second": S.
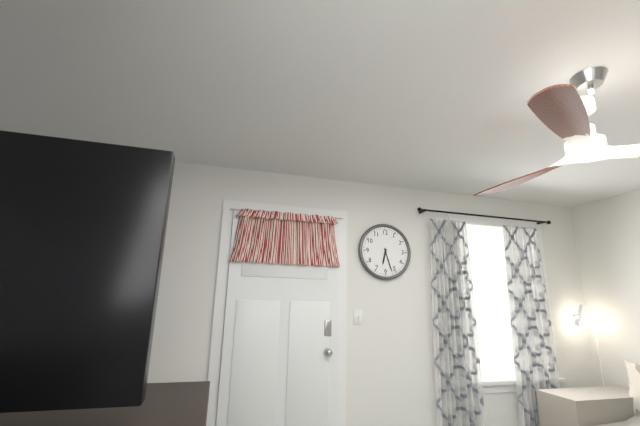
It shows {"hour": 6, "minute": 27}
